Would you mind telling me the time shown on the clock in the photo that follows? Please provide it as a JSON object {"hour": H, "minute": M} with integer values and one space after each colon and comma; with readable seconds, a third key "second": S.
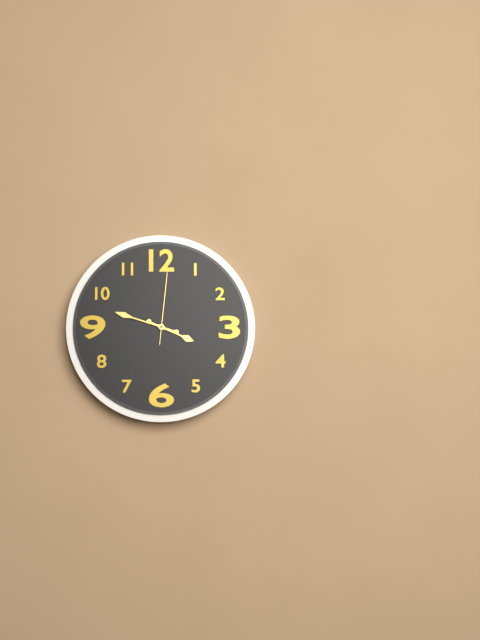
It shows {"hour": 3, "minute": 48, "second": 1}
